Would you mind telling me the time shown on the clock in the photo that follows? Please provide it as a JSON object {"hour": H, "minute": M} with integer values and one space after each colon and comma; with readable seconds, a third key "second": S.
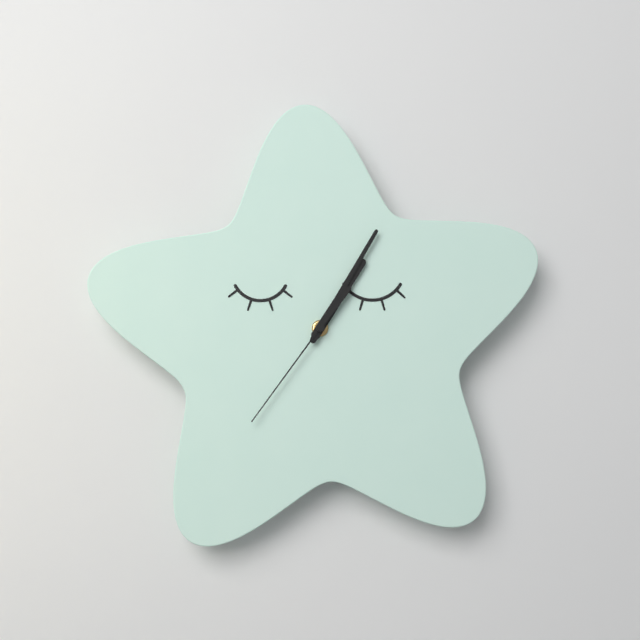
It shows {"hour": 1, "minute": 5, "second": 36}
